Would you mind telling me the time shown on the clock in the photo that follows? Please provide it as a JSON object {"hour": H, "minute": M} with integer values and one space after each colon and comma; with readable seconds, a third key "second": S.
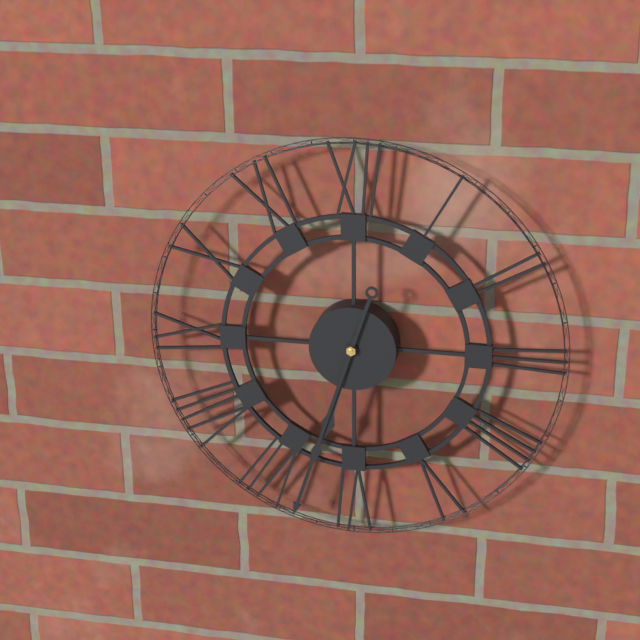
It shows {"hour": 6, "minute": 33}
